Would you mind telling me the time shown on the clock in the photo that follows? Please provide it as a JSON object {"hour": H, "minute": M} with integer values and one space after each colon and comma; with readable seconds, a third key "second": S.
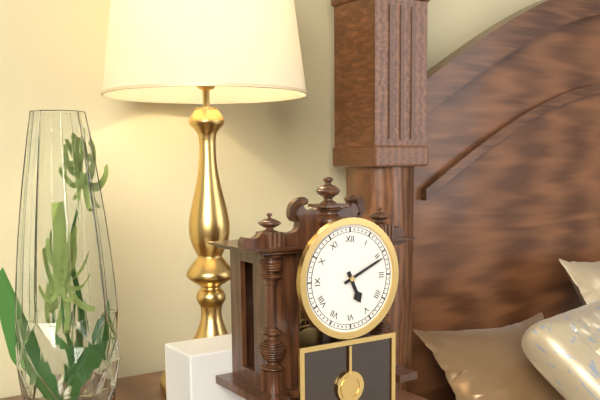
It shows {"hour": 5, "minute": 11}
